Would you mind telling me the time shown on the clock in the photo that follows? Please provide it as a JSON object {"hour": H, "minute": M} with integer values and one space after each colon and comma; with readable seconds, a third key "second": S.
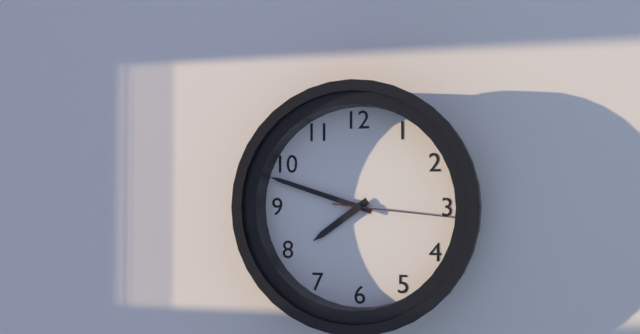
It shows {"hour": 7, "minute": 48, "second": 16}
